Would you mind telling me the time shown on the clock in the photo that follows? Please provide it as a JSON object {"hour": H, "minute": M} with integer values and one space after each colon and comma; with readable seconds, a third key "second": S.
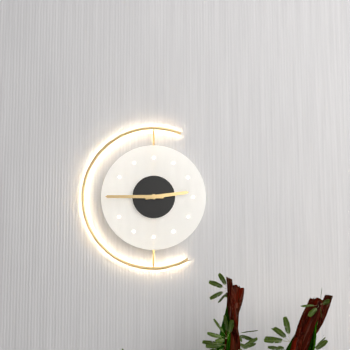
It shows {"hour": 2, "minute": 45}
